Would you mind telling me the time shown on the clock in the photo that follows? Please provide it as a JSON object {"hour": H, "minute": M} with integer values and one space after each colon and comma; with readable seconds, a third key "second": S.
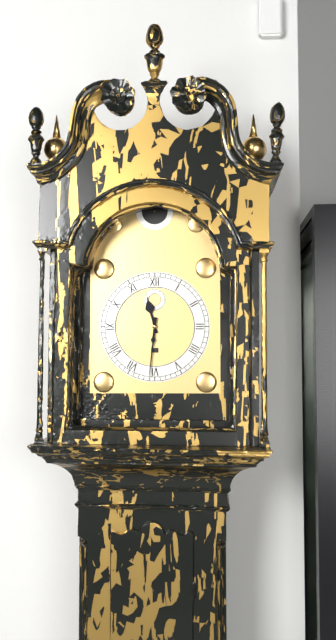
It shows {"hour": 11, "minute": 31}
